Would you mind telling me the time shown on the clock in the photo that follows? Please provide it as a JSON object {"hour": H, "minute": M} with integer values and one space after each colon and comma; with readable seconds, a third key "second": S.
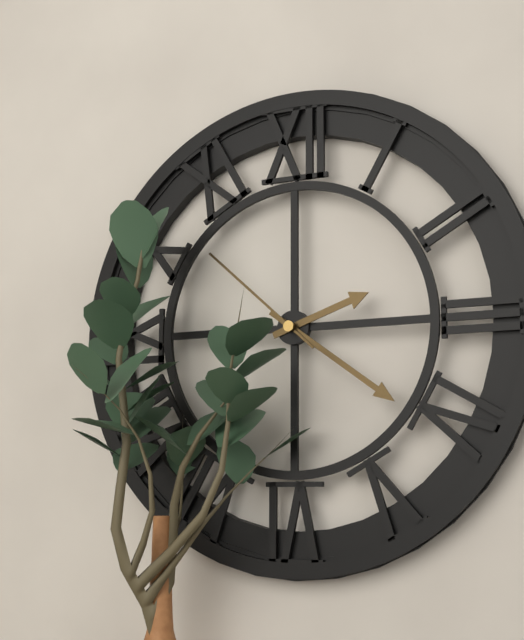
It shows {"hour": 2, "minute": 21, "second": 52}
